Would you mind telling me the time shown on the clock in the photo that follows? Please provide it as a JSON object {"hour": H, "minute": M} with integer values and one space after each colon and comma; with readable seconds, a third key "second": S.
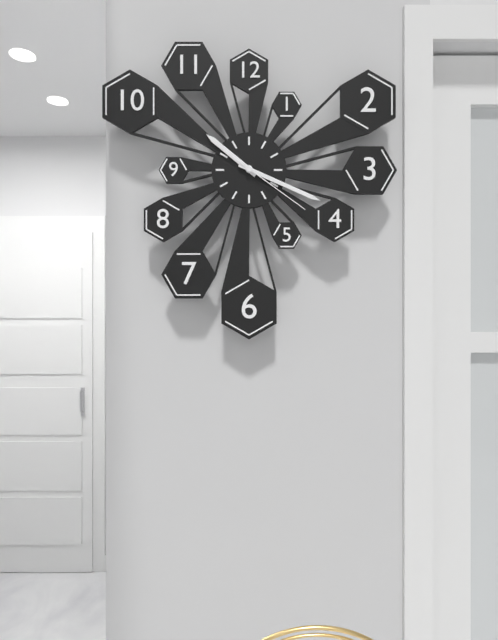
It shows {"hour": 10, "minute": 19, "second": 21}
